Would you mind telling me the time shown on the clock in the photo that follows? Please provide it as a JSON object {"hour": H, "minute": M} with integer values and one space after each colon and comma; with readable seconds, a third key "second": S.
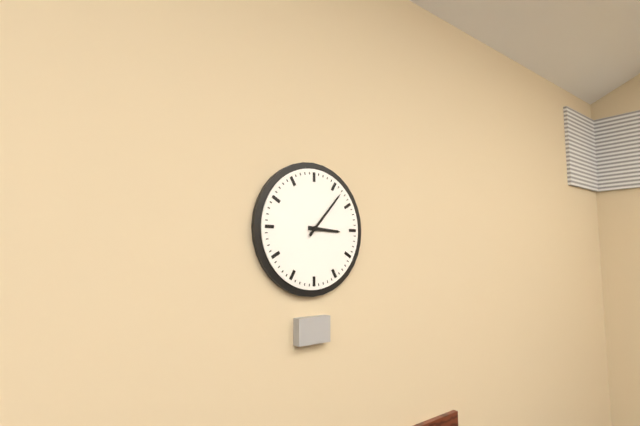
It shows {"hour": 3, "minute": 7}
